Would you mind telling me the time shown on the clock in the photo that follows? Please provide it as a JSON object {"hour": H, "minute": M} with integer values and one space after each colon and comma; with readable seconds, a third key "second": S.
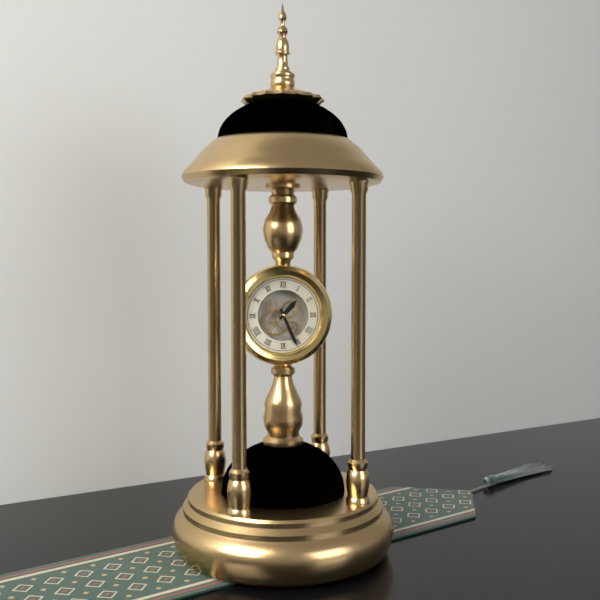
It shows {"hour": 1, "minute": 26}
